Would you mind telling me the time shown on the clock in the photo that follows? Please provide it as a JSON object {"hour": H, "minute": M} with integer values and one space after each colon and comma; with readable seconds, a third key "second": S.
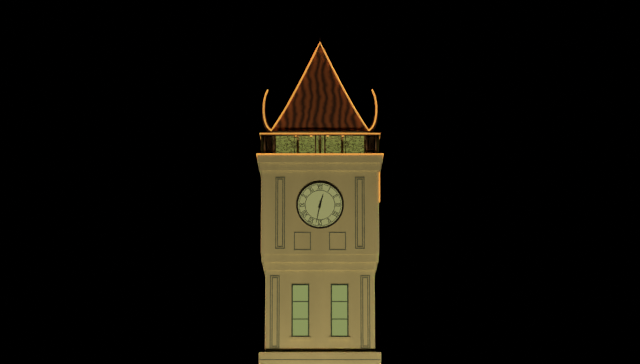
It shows {"hour": 12, "minute": 32}
